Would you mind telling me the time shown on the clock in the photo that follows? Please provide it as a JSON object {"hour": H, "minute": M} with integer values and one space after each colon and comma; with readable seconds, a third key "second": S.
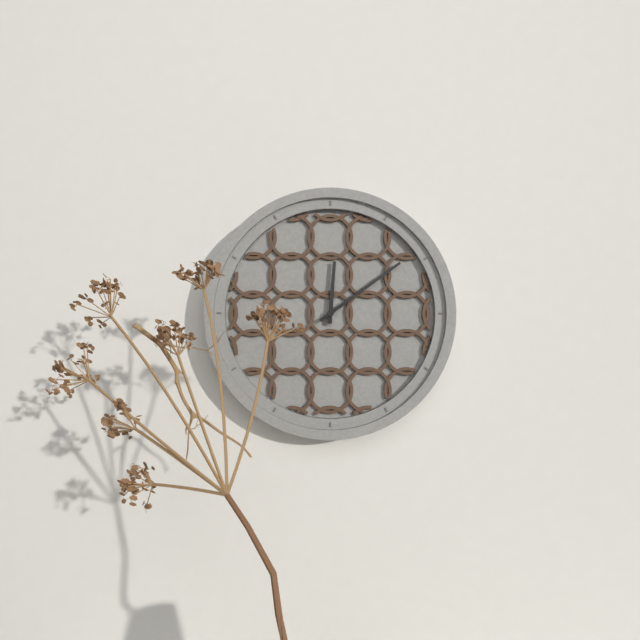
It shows {"hour": 12, "minute": 9}
